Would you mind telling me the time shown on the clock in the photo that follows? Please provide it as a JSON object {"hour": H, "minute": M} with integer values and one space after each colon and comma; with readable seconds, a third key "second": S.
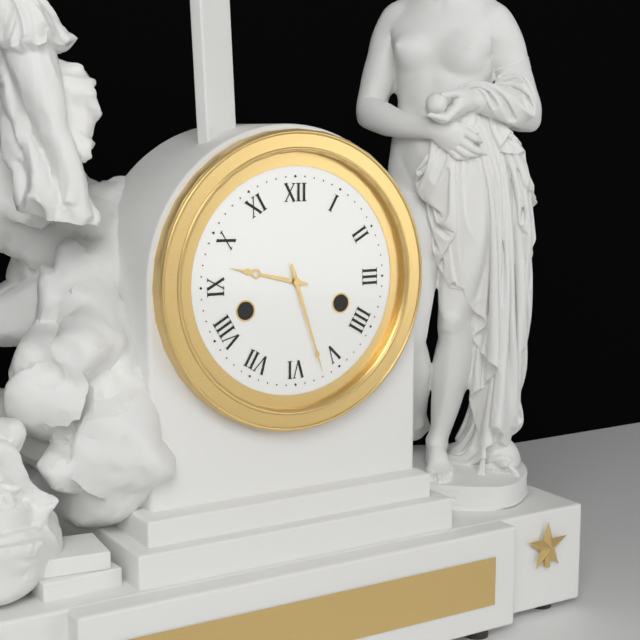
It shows {"hour": 9, "minute": 27}
